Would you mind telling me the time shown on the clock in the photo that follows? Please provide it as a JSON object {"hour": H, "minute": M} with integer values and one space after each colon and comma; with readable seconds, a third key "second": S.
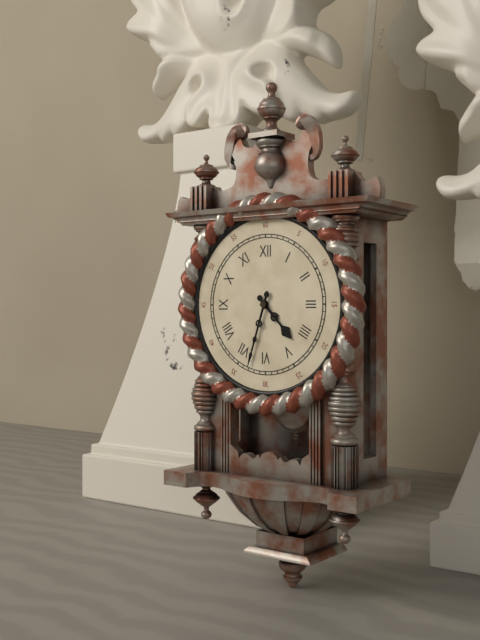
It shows {"hour": 4, "minute": 33}
